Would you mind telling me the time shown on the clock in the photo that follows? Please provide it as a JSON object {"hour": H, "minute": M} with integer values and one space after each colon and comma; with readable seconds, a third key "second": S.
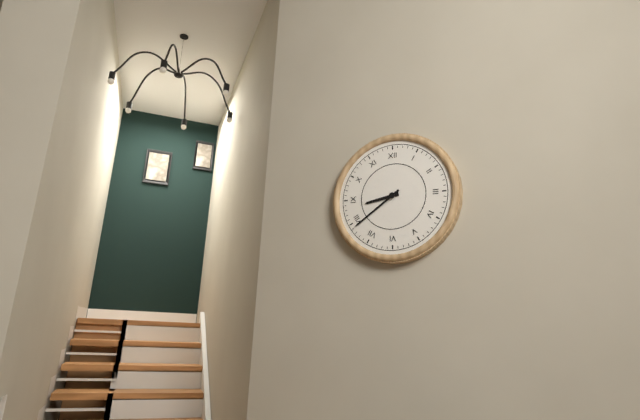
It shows {"hour": 8, "minute": 39}
